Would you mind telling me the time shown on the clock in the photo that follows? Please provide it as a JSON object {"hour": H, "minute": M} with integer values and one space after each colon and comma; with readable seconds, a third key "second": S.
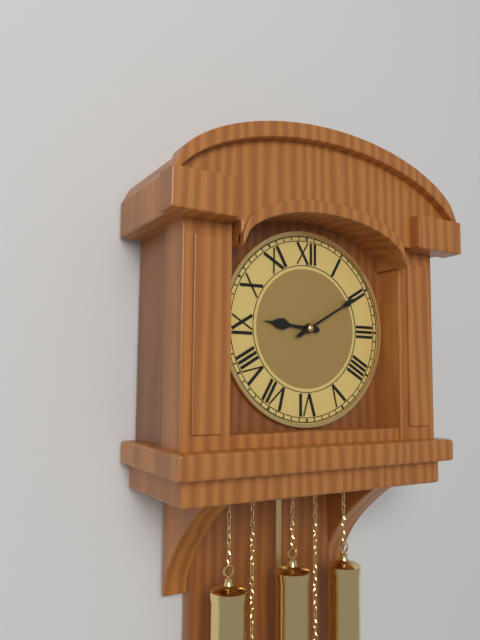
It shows {"hour": 9, "minute": 10}
